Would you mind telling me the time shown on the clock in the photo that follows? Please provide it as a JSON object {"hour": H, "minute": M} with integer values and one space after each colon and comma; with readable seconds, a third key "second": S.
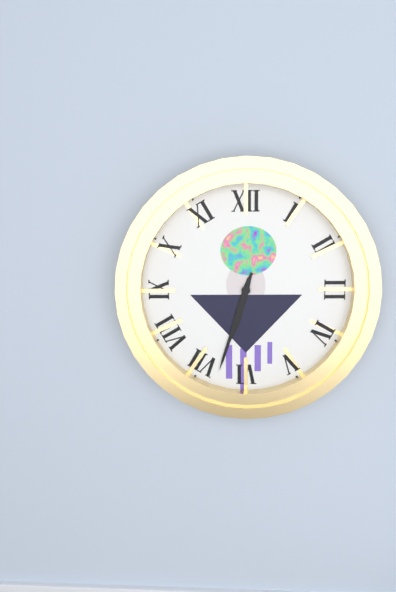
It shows {"hour": 6, "minute": 33}
